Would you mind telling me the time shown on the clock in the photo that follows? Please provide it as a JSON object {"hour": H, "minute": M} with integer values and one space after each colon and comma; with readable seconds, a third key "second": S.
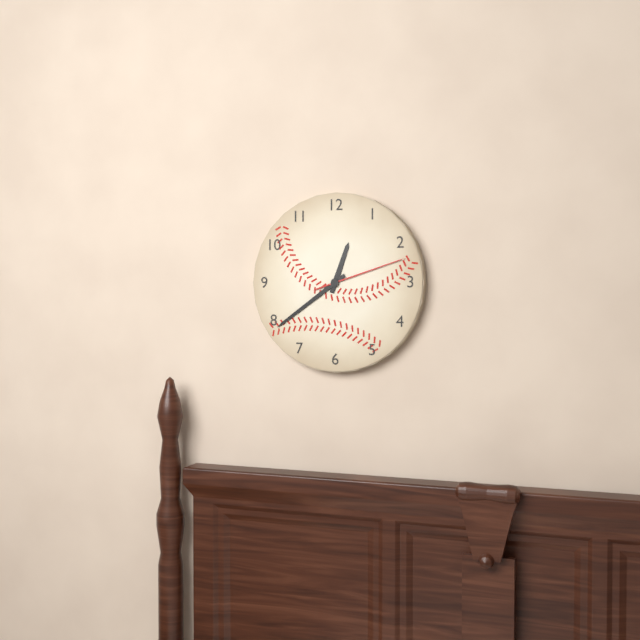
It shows {"hour": 12, "minute": 39, "second": 12}
